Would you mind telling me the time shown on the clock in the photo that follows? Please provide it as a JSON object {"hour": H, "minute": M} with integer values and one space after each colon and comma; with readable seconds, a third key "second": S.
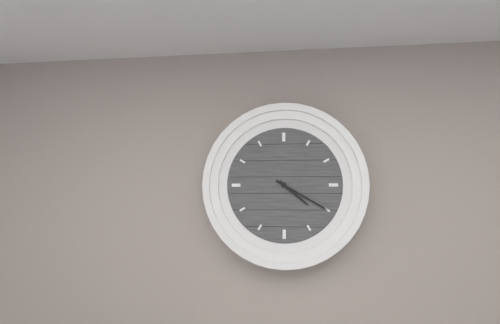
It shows {"hour": 4, "minute": 20}
